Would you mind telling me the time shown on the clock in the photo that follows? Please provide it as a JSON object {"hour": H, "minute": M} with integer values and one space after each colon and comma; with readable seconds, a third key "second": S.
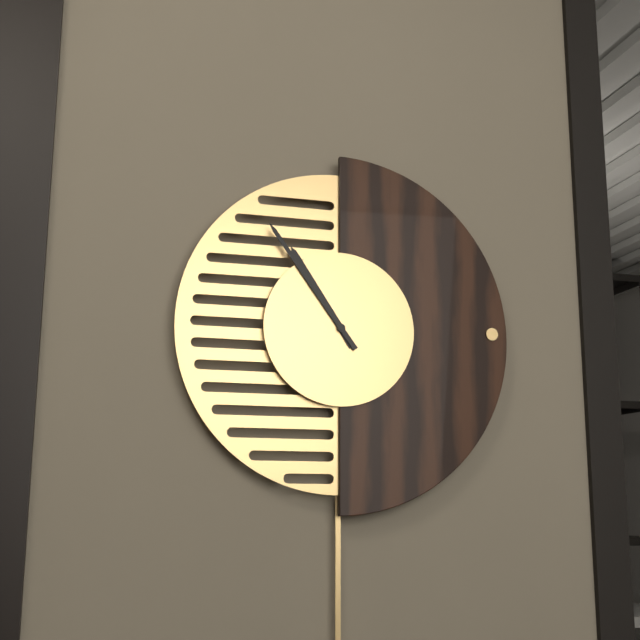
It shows {"hour": 10, "minute": 54}
